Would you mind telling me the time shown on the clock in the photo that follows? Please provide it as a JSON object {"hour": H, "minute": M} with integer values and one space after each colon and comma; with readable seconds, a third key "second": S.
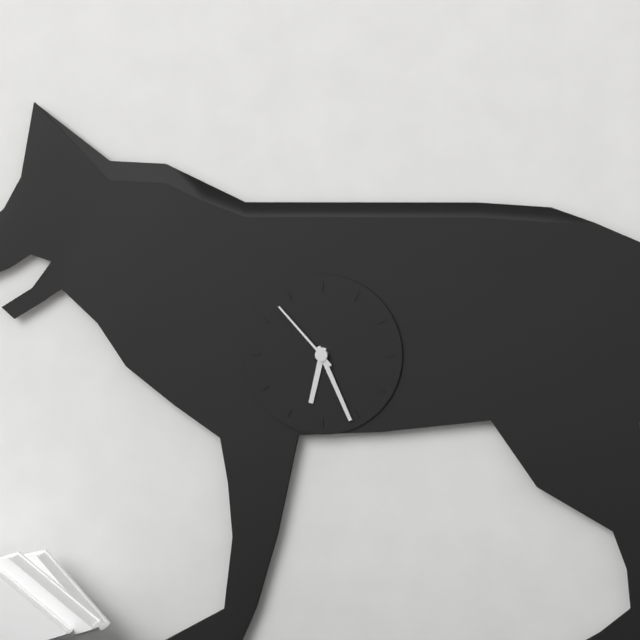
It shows {"hour": 6, "minute": 26, "second": 53}
